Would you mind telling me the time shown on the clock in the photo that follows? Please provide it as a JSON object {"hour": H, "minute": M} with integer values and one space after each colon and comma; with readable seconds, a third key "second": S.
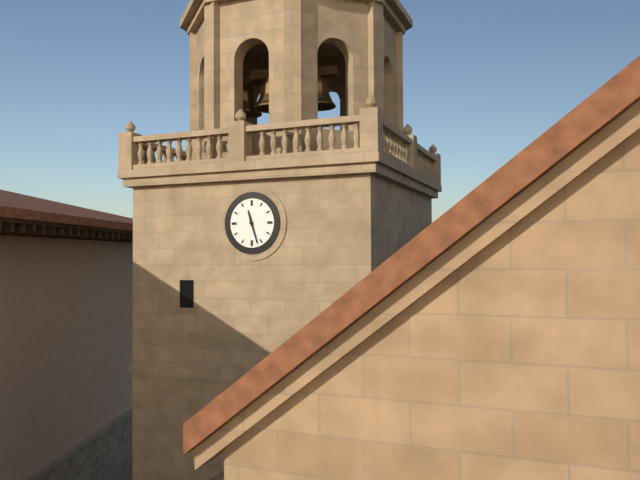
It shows {"hour": 11, "minute": 27}
